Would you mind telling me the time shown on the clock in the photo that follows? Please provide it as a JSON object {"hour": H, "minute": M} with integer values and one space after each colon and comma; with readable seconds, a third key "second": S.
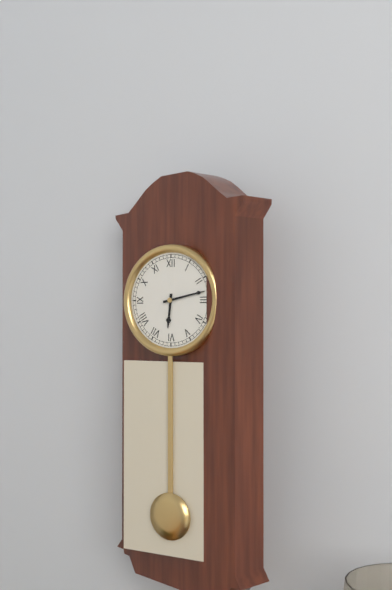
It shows {"hour": 6, "minute": 13}
